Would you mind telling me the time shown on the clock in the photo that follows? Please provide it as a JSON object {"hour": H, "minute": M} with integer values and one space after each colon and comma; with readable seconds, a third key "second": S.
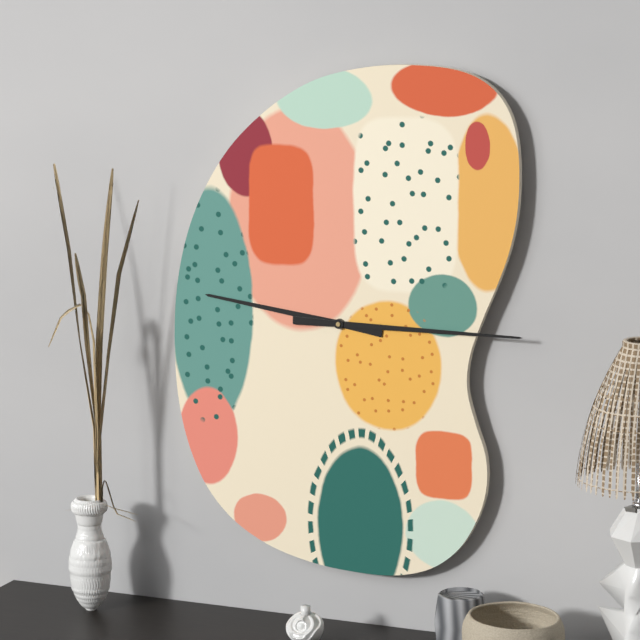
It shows {"hour": 9, "minute": 15}
